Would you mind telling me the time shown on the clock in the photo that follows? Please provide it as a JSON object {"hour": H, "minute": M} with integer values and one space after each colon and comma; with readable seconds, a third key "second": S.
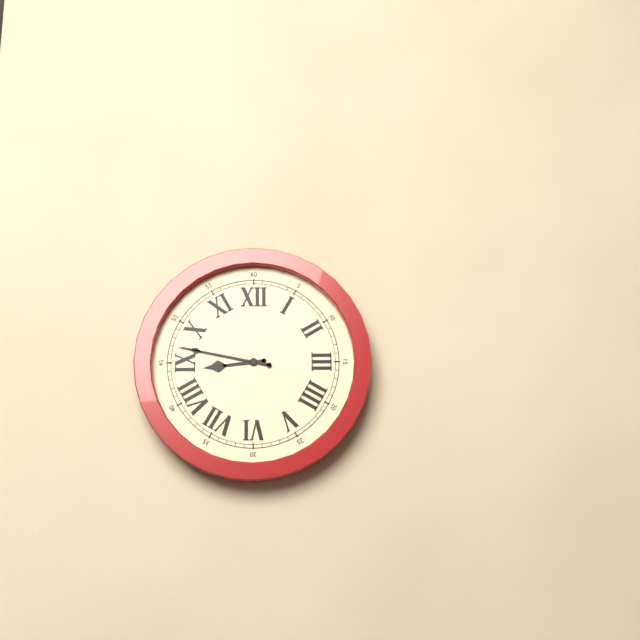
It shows {"hour": 8, "minute": 47}
